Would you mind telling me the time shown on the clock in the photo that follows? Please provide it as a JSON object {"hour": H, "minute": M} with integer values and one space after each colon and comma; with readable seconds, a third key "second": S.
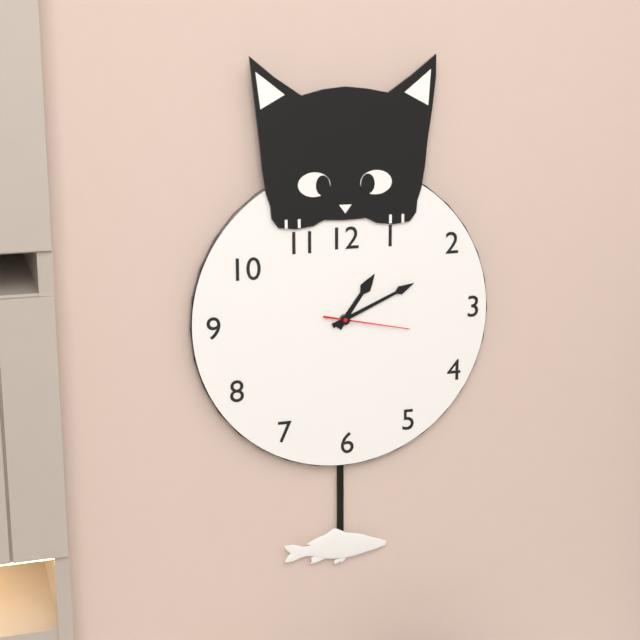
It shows {"hour": 1, "minute": 11, "second": 17}
